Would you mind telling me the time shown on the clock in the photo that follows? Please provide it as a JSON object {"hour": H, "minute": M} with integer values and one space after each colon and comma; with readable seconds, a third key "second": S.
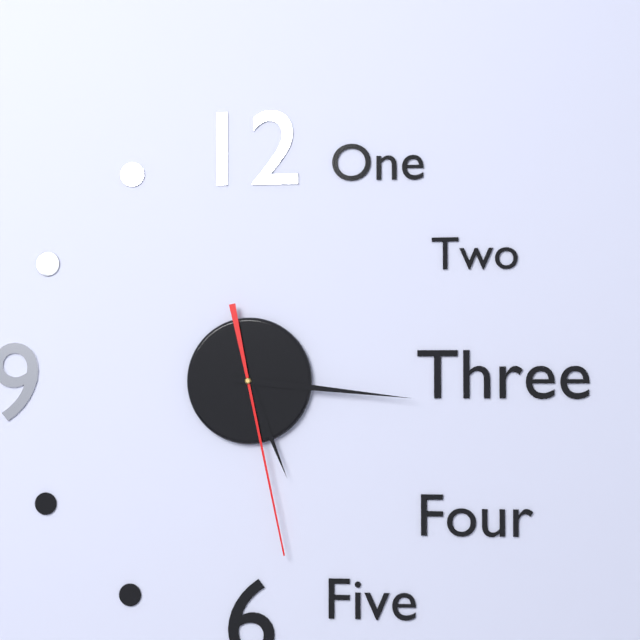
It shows {"hour": 5, "minute": 16, "second": 28}
